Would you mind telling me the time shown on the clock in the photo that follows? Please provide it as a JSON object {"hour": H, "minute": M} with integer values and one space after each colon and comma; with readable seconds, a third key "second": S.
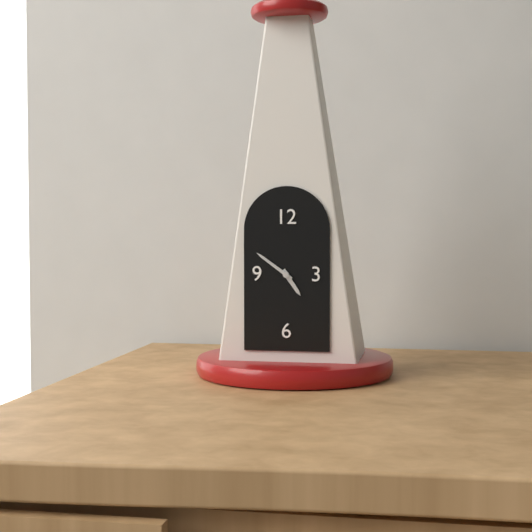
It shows {"hour": 4, "minute": 51}
